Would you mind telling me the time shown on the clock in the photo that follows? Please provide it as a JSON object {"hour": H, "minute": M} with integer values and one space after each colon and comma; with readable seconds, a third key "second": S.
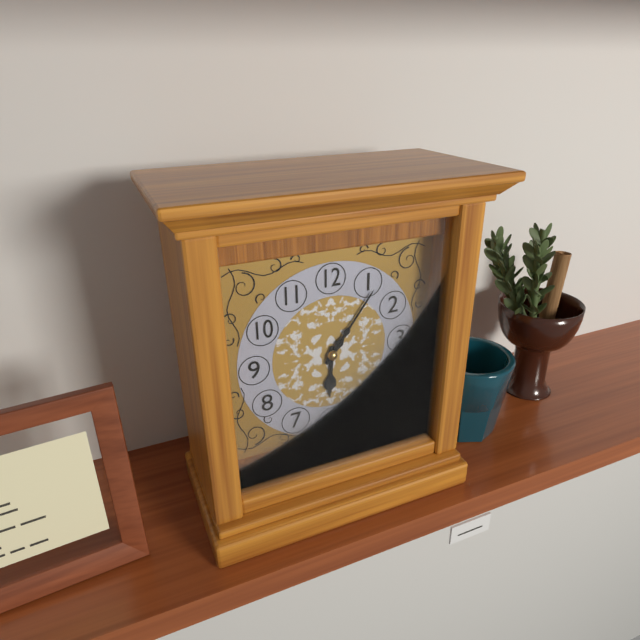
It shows {"hour": 6, "minute": 6}
